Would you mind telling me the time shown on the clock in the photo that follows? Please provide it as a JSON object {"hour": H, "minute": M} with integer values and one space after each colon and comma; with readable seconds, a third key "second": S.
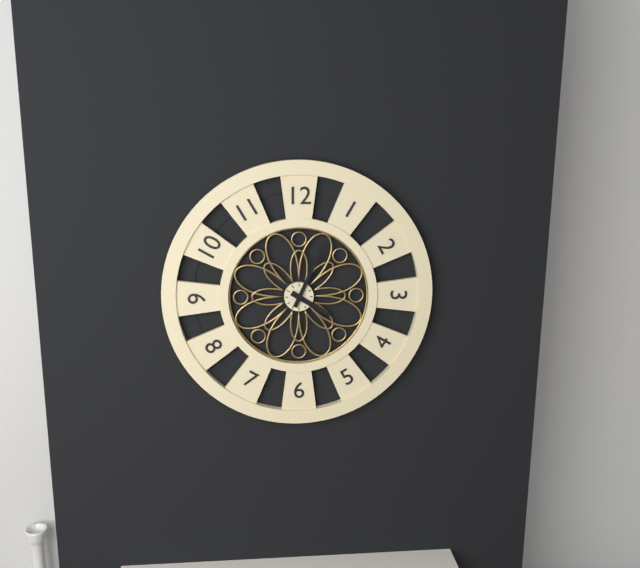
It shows {"hour": 4, "minute": 4}
